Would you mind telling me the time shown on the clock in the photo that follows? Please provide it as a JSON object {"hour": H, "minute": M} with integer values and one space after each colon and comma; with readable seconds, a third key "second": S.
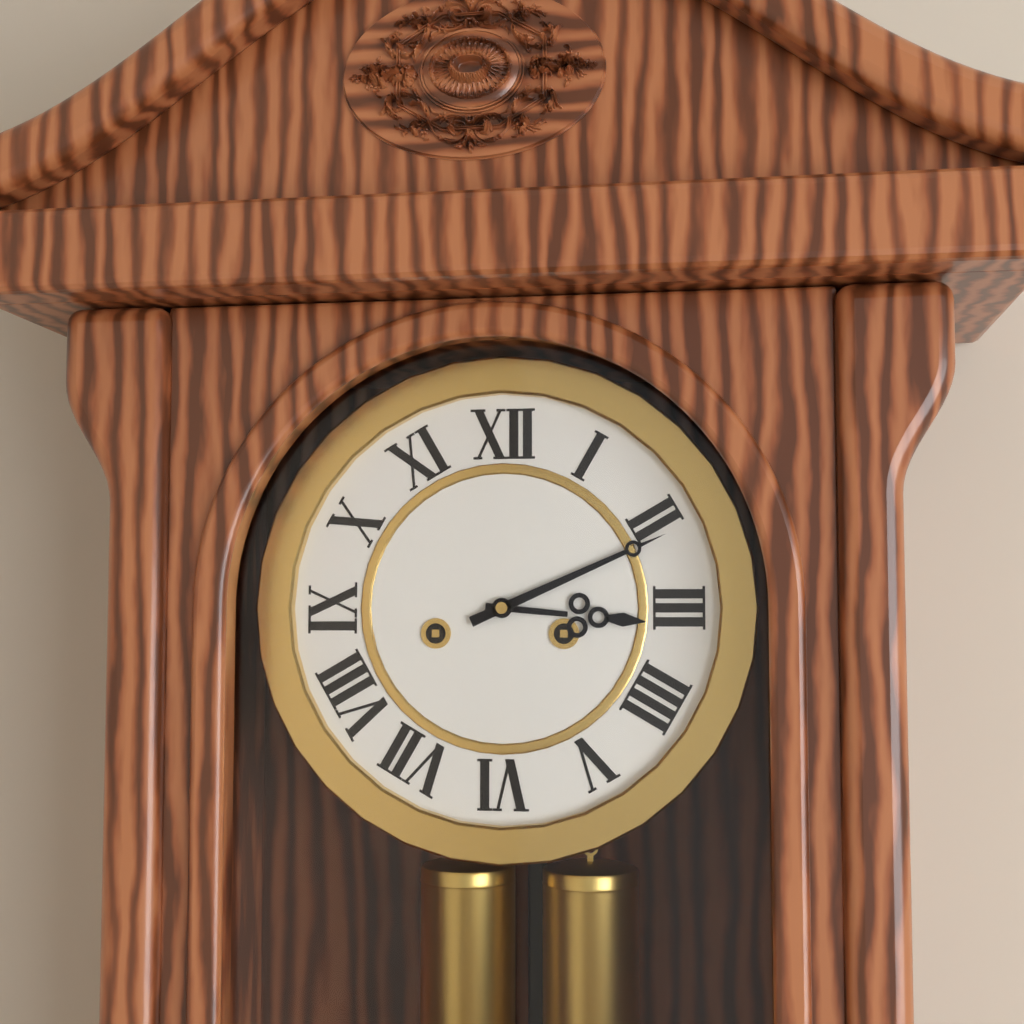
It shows {"hour": 3, "minute": 11}
